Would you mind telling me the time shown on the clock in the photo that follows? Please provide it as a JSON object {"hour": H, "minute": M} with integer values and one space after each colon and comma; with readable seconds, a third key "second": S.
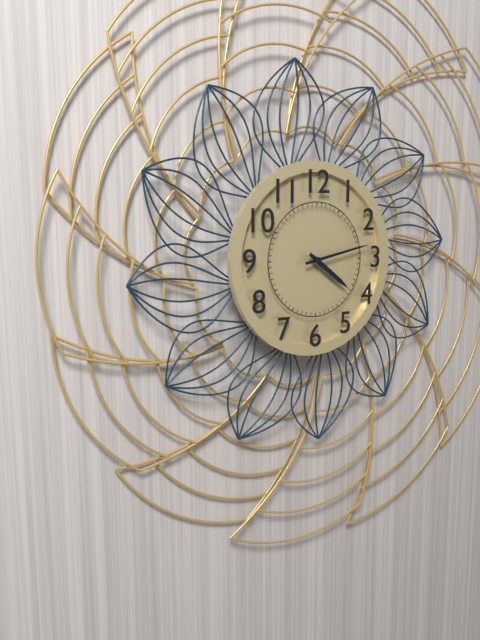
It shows {"hour": 4, "minute": 13}
